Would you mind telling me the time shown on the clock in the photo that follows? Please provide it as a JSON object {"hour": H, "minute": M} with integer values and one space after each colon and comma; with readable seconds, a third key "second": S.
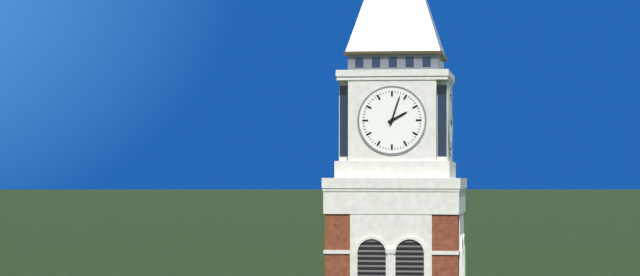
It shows {"hour": 2, "minute": 3}
